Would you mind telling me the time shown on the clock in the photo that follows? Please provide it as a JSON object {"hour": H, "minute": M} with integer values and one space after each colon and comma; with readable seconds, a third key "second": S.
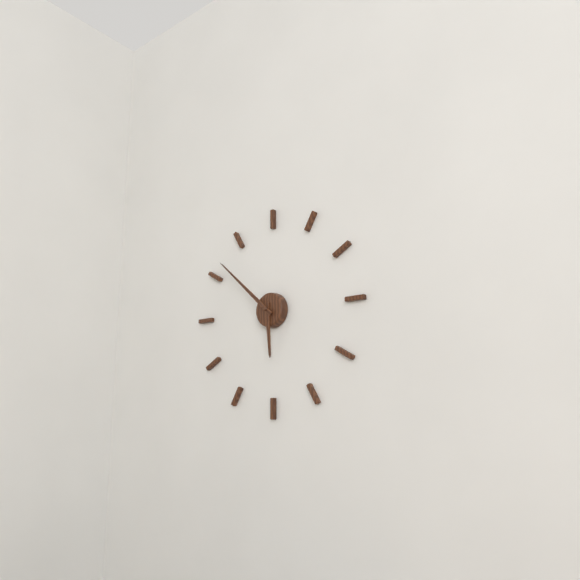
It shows {"hour": 5, "minute": 52}
